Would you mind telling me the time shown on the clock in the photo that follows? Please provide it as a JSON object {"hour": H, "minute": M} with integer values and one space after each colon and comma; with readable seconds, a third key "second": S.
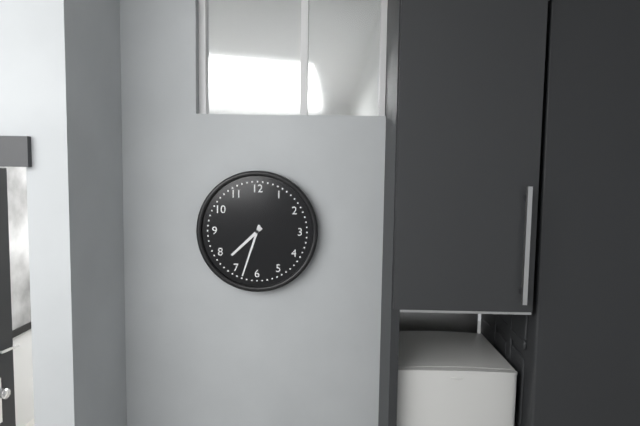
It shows {"hour": 7, "minute": 33}
